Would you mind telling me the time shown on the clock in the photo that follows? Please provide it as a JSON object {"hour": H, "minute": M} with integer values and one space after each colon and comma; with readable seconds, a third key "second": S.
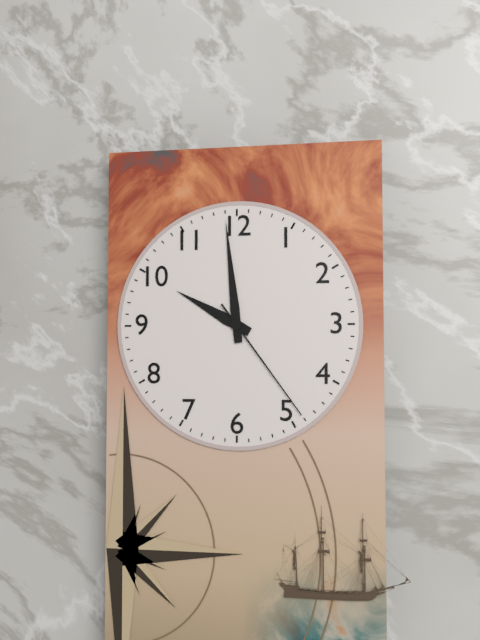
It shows {"hour": 9, "minute": 59, "second": 24}
